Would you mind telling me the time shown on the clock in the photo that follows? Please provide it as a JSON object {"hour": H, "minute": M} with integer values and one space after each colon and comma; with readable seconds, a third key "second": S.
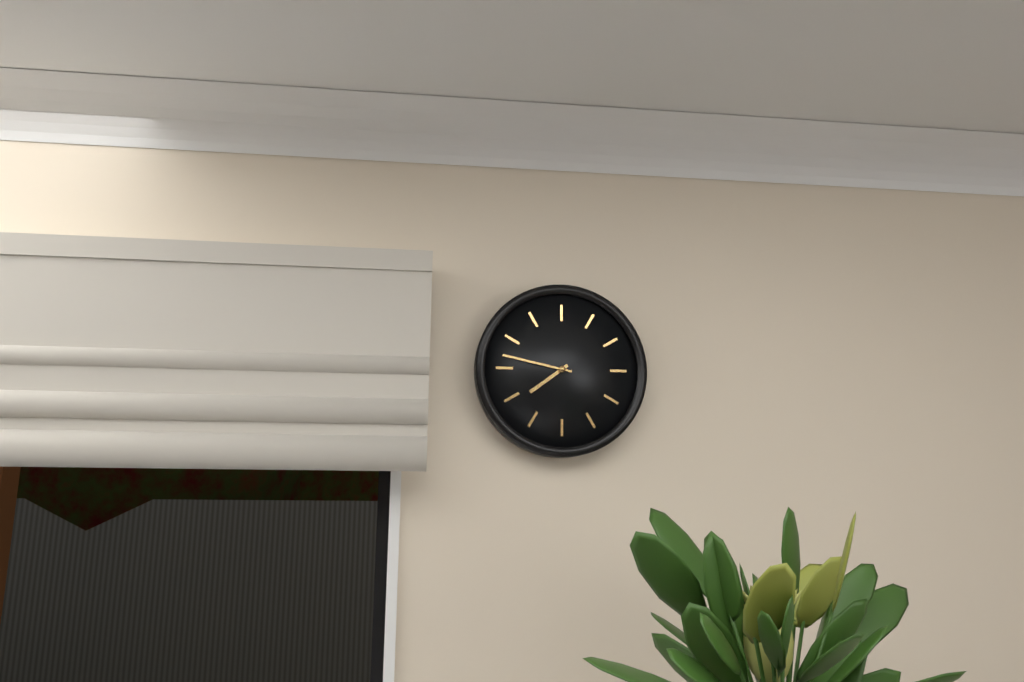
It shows {"hour": 7, "minute": 47}
